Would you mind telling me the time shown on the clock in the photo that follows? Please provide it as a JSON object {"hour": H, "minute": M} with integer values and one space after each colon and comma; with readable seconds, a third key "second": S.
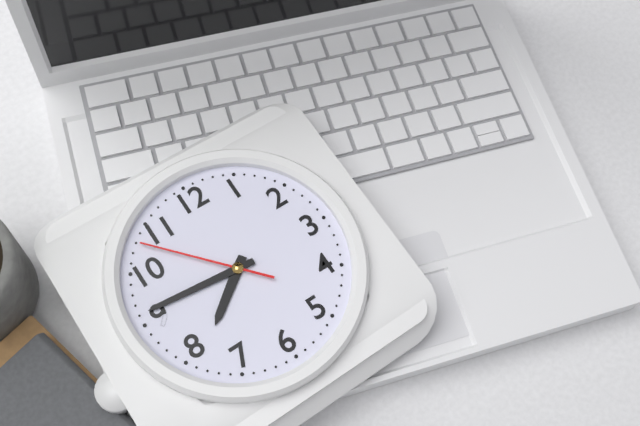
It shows {"hour": 7, "minute": 46, "second": 53}
